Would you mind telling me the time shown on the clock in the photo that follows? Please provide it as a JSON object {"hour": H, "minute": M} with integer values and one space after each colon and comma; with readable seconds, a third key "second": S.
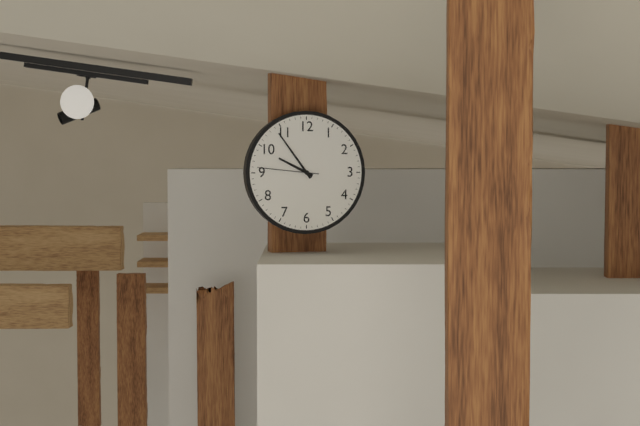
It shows {"hour": 9, "minute": 54, "second": 46}
